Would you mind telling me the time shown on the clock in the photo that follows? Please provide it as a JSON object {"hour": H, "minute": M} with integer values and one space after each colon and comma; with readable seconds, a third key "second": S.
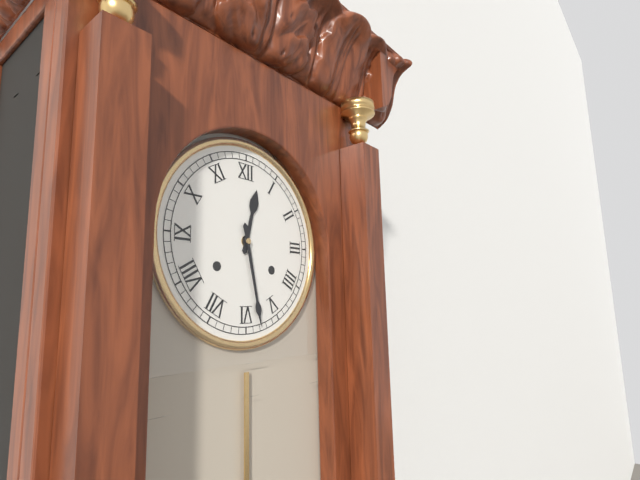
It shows {"hour": 12, "minute": 28}
